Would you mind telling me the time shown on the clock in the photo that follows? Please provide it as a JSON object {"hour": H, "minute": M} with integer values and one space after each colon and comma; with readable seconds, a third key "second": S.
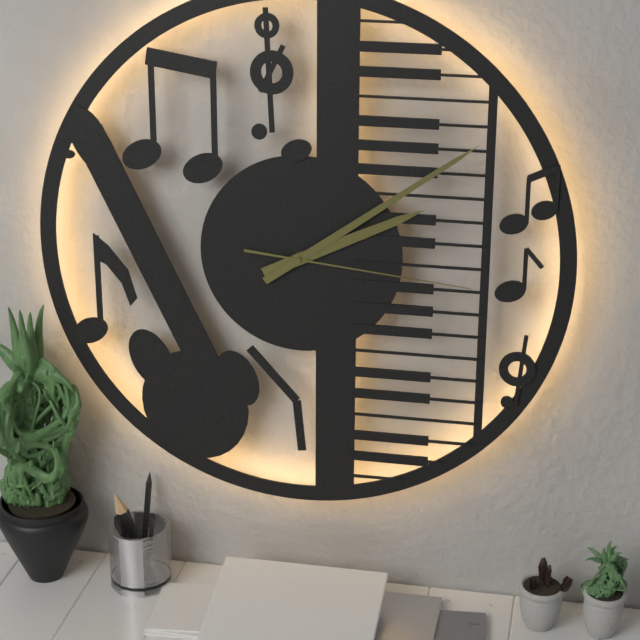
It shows {"hour": 2, "minute": 9, "second": 16}
